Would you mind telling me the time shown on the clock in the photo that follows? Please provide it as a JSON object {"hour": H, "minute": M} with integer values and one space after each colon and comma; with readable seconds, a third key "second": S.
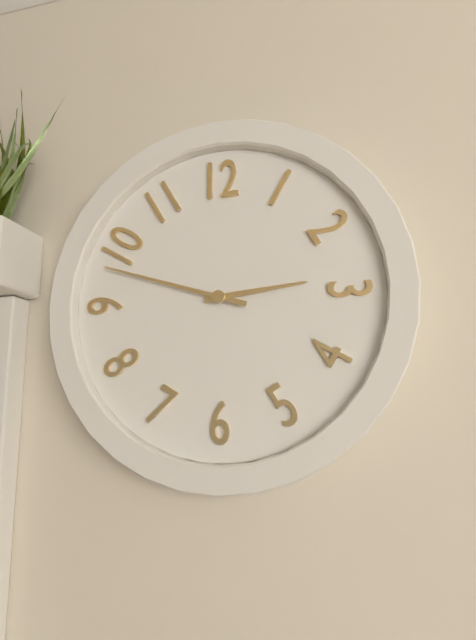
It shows {"hour": 2, "minute": 48}
